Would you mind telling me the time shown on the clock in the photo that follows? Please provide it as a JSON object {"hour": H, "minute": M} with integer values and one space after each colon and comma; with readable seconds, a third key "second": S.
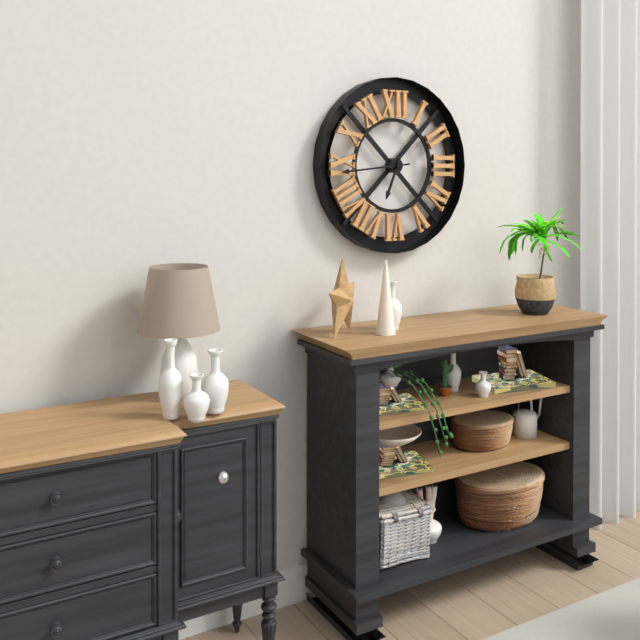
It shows {"hour": 6, "minute": 44}
